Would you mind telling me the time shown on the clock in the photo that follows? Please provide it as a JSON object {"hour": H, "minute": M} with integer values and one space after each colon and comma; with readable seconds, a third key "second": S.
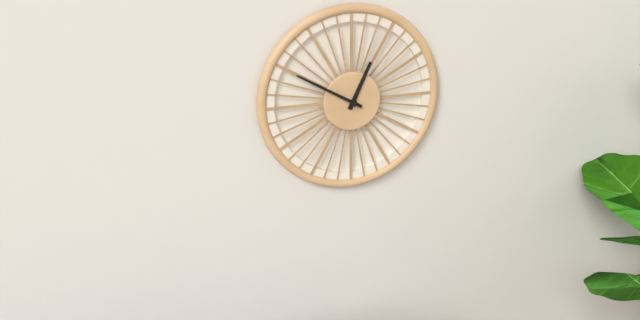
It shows {"hour": 12, "minute": 50}
